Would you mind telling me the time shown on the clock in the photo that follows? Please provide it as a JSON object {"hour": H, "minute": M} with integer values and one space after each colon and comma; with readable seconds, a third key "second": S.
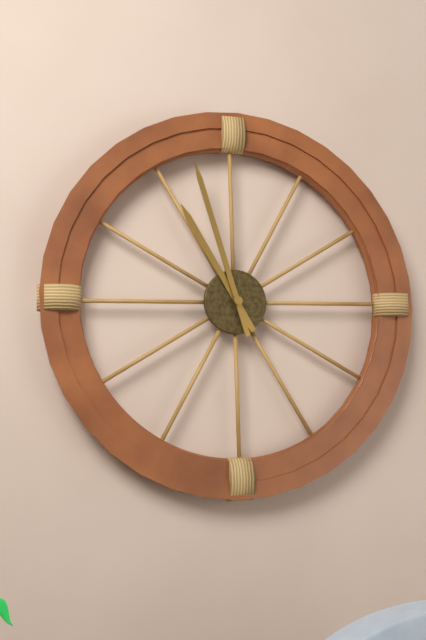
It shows {"hour": 10, "minute": 57}
